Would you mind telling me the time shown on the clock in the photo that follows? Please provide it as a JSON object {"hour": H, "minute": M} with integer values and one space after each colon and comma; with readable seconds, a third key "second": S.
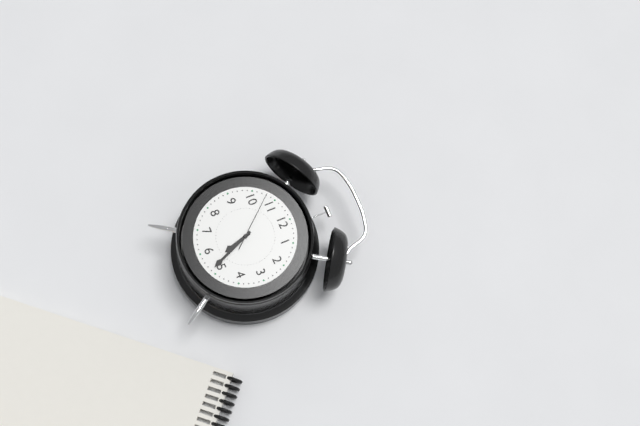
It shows {"hour": 5, "minute": 26, "second": 53}
